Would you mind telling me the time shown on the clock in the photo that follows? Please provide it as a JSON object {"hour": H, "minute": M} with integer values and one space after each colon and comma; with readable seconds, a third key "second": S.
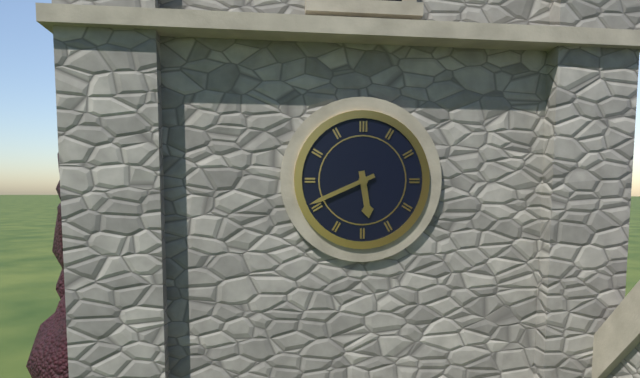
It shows {"hour": 5, "minute": 41}
